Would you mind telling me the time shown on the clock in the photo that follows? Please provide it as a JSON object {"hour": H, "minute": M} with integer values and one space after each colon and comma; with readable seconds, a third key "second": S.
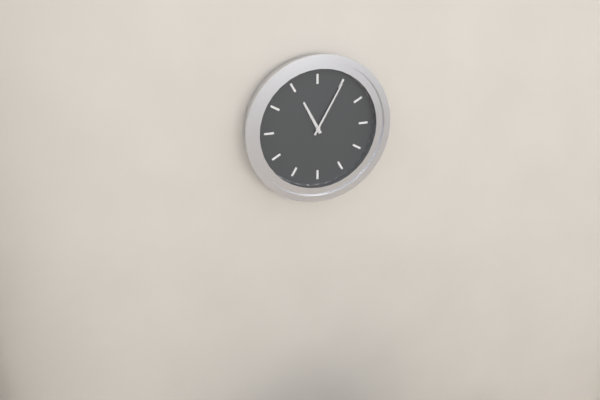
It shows {"hour": 11, "minute": 5}
